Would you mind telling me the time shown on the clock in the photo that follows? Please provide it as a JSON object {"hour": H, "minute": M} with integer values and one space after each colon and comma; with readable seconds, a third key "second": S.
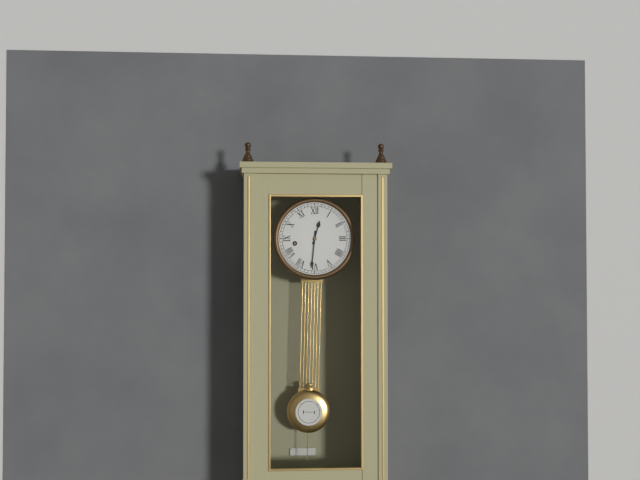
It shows {"hour": 12, "minute": 31}
